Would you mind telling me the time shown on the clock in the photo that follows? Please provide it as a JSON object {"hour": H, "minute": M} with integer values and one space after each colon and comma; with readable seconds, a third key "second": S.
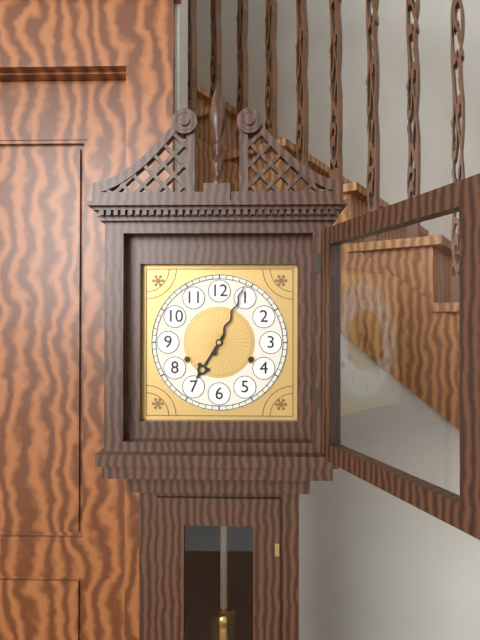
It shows {"hour": 7, "minute": 4}
